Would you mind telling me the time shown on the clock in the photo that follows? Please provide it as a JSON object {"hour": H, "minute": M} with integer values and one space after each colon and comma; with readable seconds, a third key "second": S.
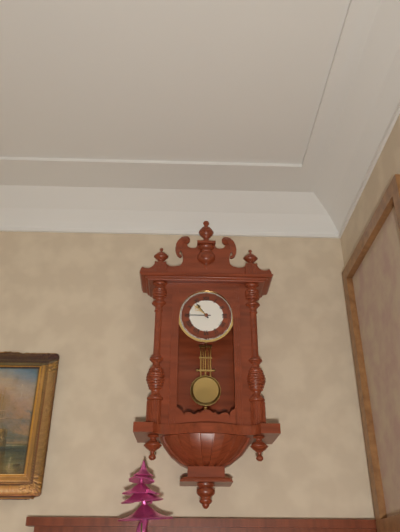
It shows {"hour": 10, "minute": 45}
